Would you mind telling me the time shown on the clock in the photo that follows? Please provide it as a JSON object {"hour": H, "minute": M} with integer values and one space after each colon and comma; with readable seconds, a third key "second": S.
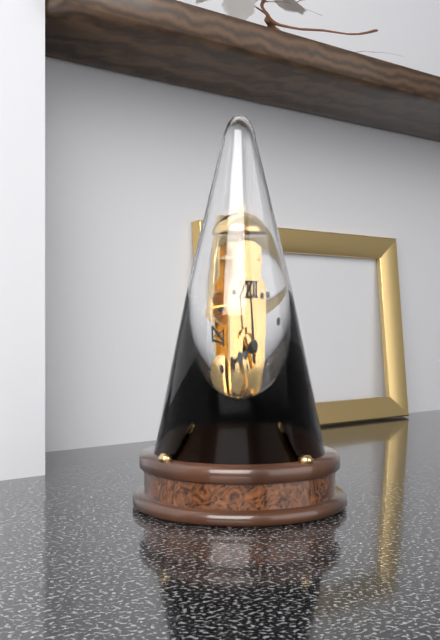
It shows {"hour": 7, "minute": 59}
